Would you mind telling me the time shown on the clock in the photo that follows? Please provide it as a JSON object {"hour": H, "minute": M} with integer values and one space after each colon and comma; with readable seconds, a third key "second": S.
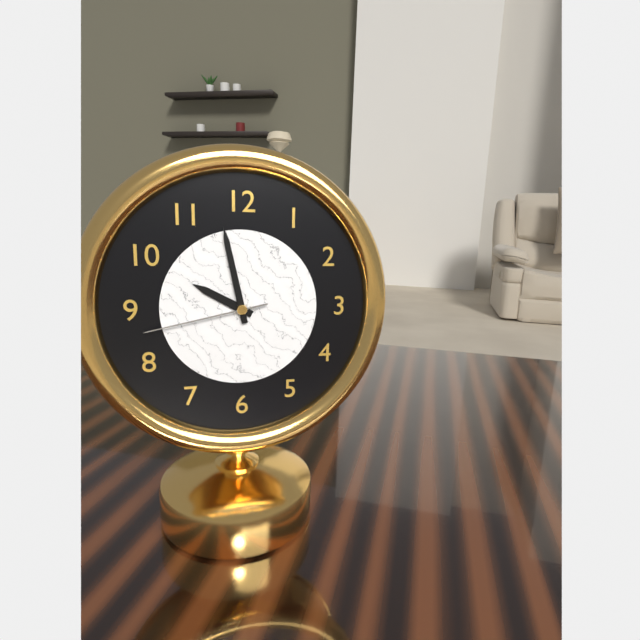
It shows {"hour": 9, "minute": 58, "second": 43}
